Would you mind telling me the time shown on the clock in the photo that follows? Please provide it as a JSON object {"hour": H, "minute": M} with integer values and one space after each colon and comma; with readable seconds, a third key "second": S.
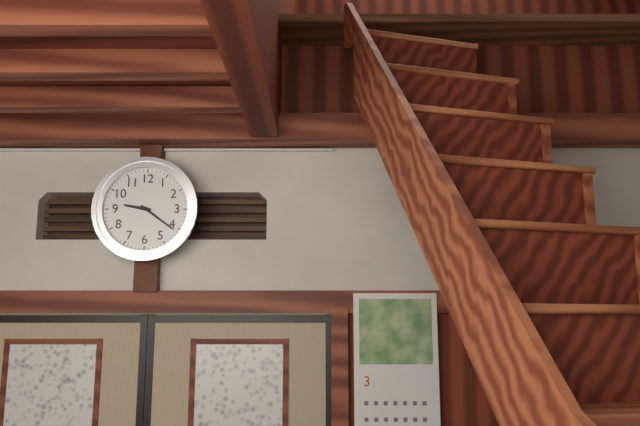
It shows {"hour": 9, "minute": 21}
